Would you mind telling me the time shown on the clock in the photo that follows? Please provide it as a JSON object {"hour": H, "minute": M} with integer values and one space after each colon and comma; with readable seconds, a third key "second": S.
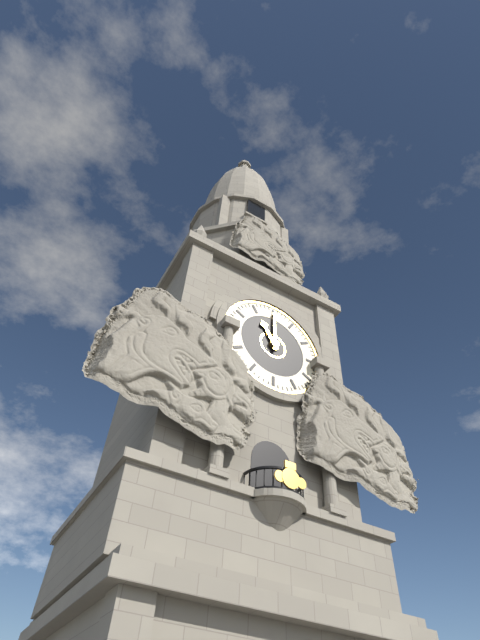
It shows {"hour": 11, "minute": 0}
